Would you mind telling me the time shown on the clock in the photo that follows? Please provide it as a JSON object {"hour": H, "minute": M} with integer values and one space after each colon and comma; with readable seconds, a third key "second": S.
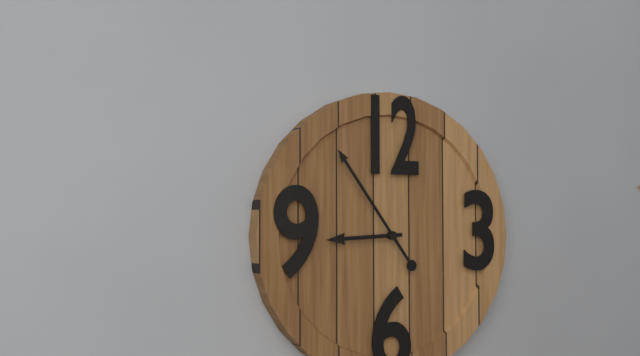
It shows {"hour": 8, "minute": 54}
